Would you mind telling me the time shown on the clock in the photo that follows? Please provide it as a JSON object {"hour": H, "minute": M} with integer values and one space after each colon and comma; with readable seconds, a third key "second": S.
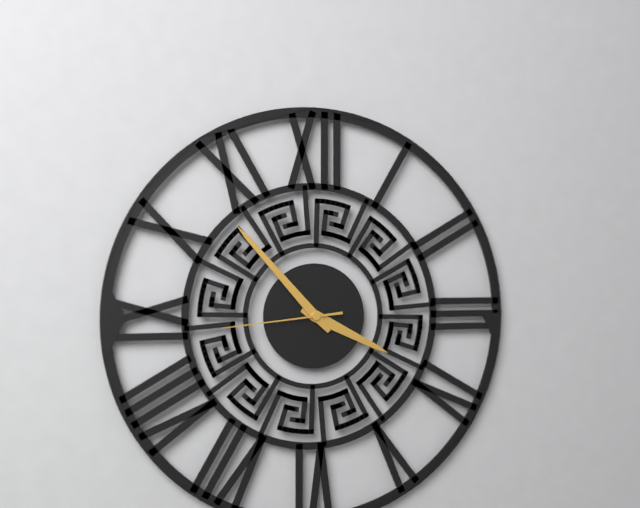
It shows {"hour": 3, "minute": 53, "second": 44}
